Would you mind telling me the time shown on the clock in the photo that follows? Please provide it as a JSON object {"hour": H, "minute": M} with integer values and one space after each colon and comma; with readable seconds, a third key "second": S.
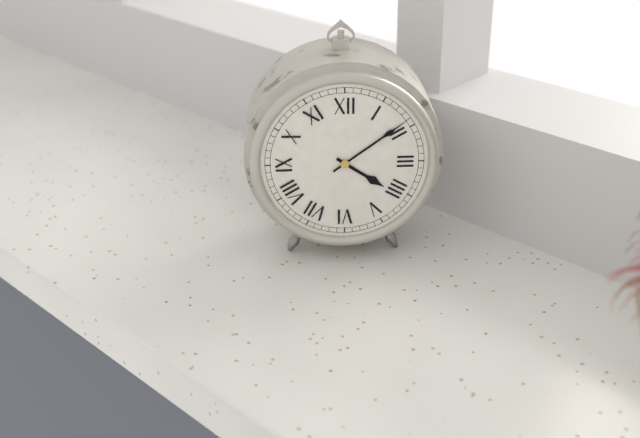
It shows {"hour": 4, "minute": 9}
